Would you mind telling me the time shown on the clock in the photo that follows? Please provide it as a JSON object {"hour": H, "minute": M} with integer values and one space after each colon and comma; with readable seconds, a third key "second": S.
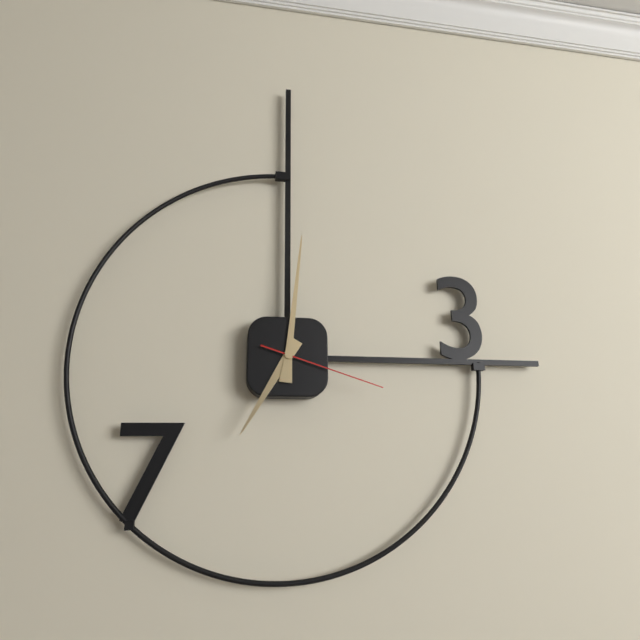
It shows {"hour": 7, "minute": 1, "second": 18}
